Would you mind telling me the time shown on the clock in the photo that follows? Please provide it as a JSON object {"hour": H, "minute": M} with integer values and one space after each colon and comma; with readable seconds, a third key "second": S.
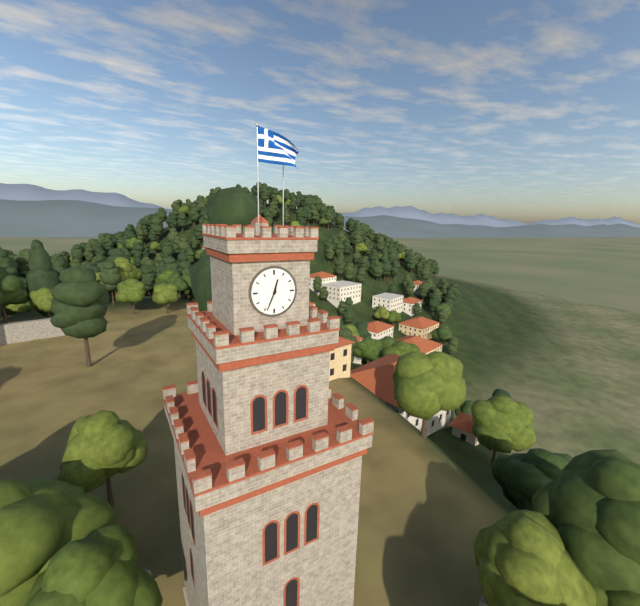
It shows {"hour": 12, "minute": 34}
